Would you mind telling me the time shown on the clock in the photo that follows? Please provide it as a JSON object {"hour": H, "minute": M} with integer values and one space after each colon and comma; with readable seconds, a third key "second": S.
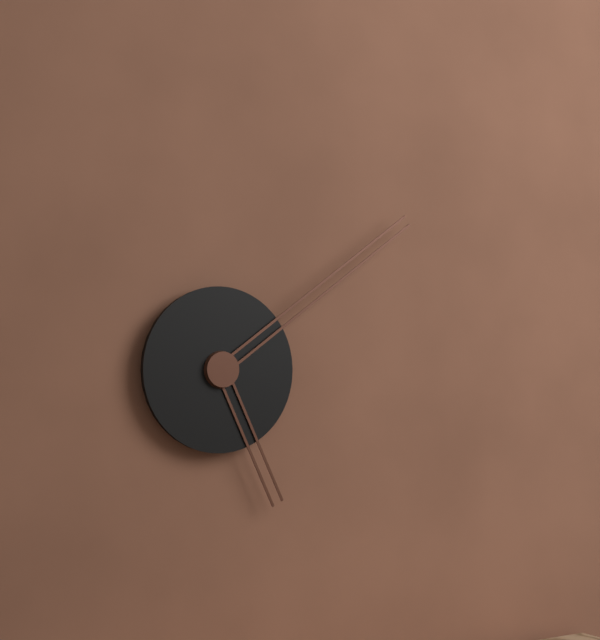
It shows {"hour": 5, "minute": 9}
